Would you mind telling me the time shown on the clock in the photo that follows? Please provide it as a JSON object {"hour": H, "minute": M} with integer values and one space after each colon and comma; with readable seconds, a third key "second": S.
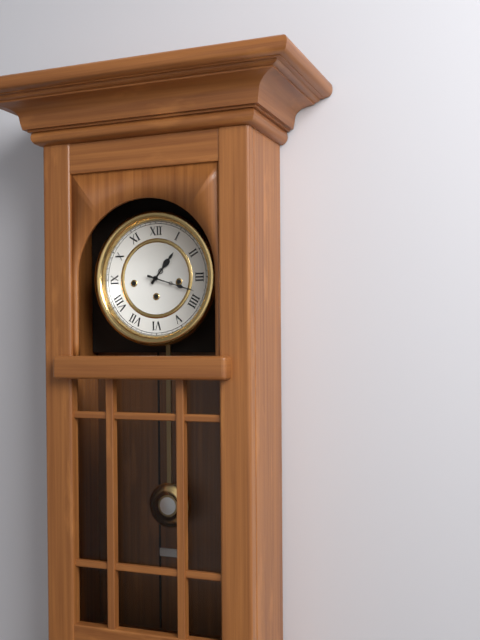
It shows {"hour": 1, "minute": 18}
